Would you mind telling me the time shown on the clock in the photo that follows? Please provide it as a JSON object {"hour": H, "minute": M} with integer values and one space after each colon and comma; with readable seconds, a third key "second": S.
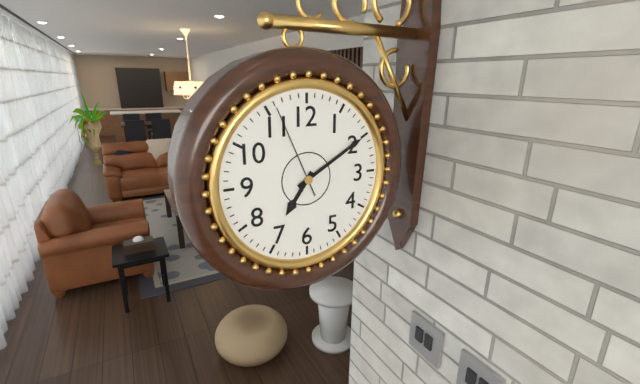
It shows {"hour": 7, "minute": 10, "second": 56}
